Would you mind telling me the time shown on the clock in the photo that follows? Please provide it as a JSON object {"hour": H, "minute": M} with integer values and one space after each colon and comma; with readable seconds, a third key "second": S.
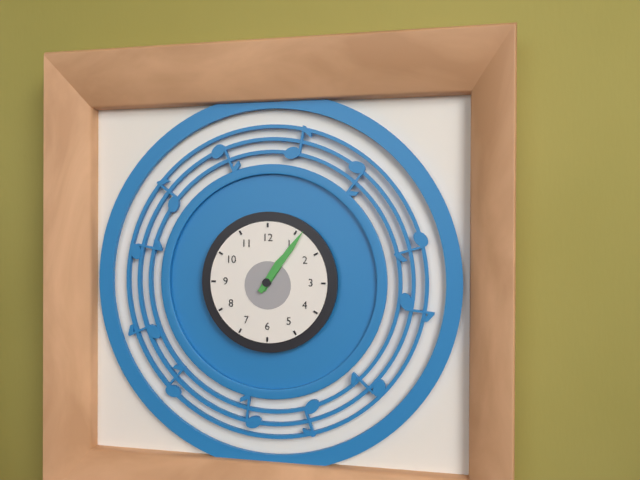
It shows {"hour": 1, "minute": 6}
